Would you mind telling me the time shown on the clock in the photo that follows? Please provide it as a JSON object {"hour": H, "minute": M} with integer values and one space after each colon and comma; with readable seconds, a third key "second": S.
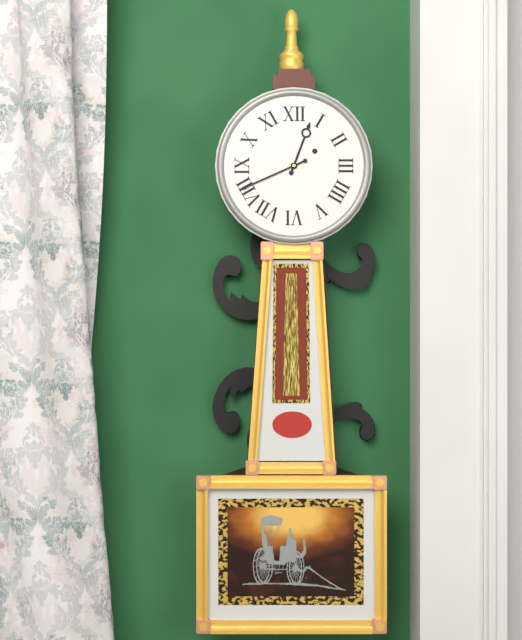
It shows {"hour": 12, "minute": 41}
